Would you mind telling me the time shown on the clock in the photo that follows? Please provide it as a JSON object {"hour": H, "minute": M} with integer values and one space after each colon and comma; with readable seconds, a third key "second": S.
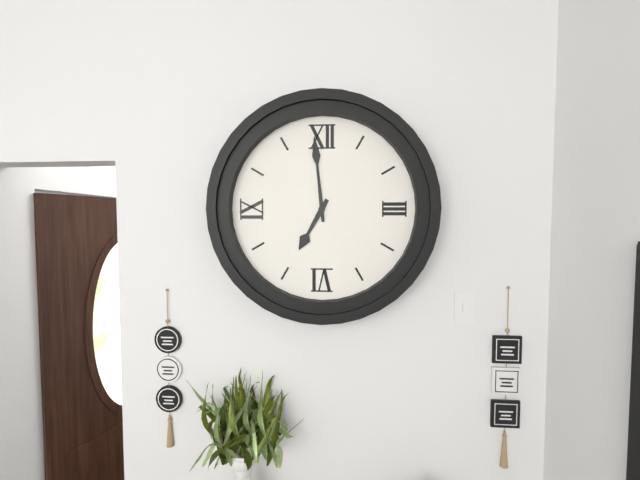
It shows {"hour": 6, "minute": 59}
